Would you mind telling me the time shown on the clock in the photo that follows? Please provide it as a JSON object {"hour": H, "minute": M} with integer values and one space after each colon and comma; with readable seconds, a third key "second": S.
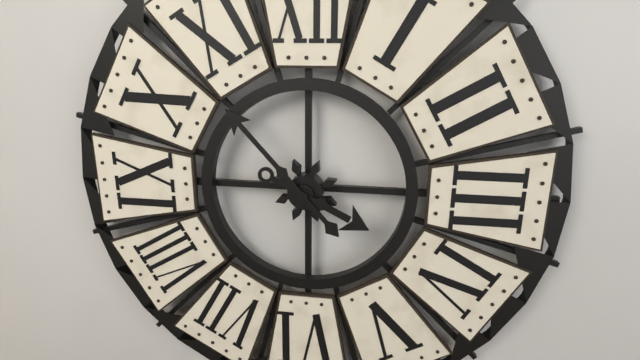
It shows {"hour": 3, "minute": 53}
